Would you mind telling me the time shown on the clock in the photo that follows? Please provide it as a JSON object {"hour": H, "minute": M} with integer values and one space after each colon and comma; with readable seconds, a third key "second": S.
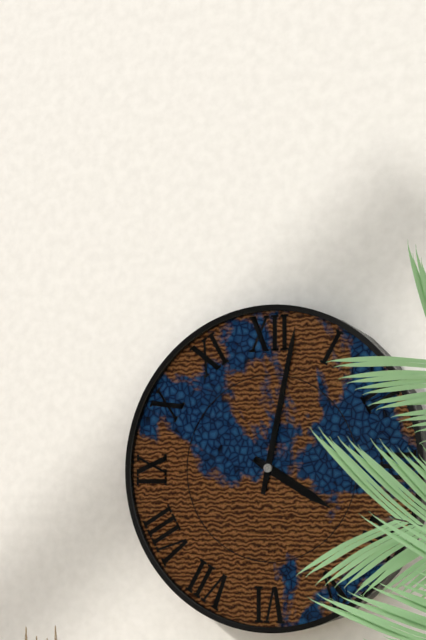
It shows {"hour": 4, "minute": 2}
